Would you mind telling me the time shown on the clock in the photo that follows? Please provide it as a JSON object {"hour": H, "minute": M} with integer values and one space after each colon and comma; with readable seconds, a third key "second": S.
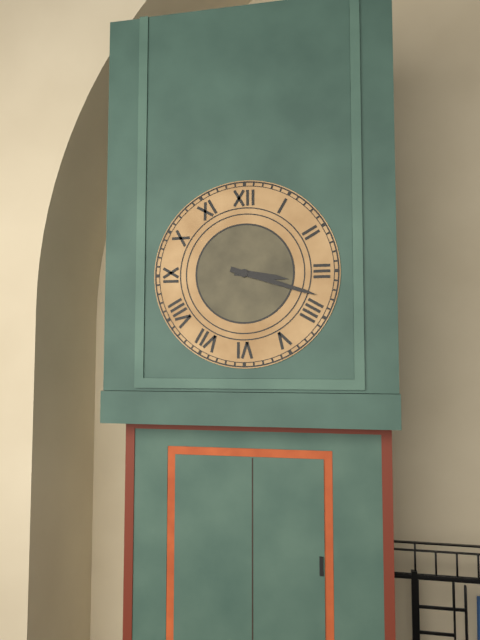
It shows {"hour": 3, "minute": 18}
